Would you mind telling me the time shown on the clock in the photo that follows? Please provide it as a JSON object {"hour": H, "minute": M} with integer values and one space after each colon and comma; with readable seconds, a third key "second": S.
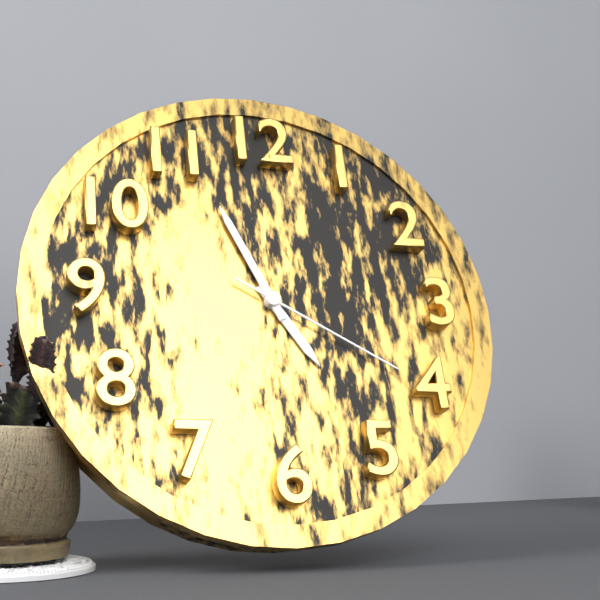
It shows {"hour": 4, "minute": 56, "second": 20}
